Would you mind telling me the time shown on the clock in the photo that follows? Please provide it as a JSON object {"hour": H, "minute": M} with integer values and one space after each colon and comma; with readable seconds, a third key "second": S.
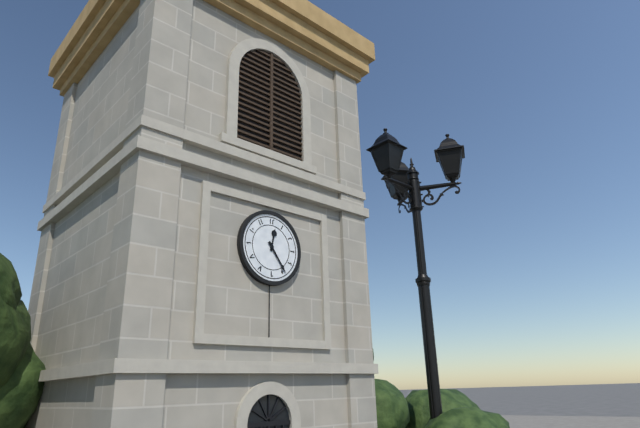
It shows {"hour": 12, "minute": 24}
